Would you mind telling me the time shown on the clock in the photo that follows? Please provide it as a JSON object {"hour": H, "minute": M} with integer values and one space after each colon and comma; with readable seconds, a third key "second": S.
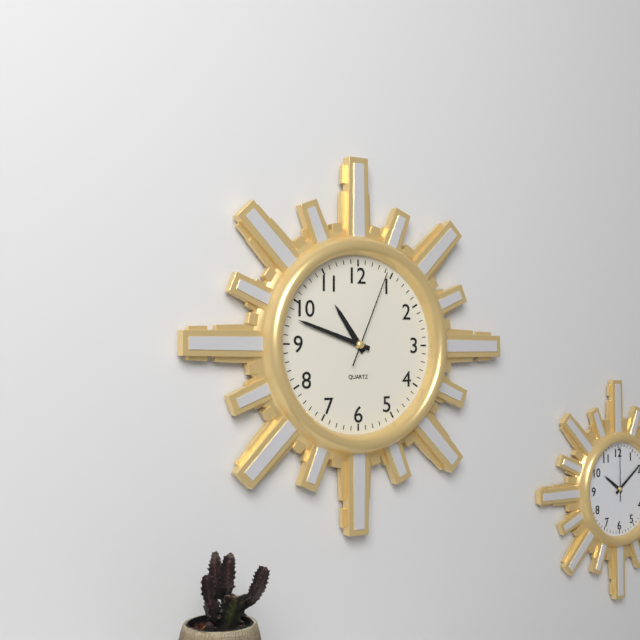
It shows {"hour": 10, "minute": 48, "second": 4}
